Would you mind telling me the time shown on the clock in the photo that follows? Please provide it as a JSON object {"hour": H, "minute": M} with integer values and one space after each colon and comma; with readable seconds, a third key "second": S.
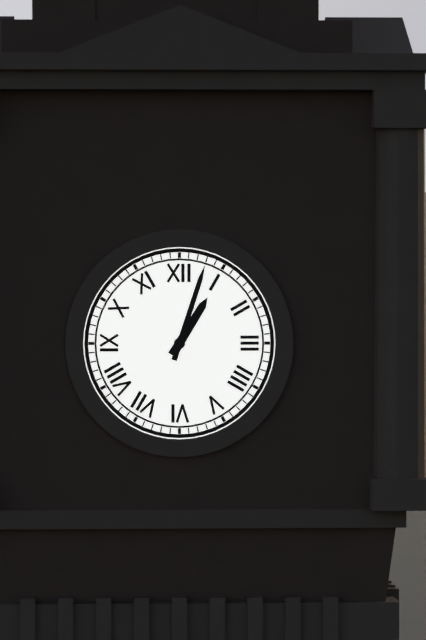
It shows {"hour": 1, "minute": 3}
